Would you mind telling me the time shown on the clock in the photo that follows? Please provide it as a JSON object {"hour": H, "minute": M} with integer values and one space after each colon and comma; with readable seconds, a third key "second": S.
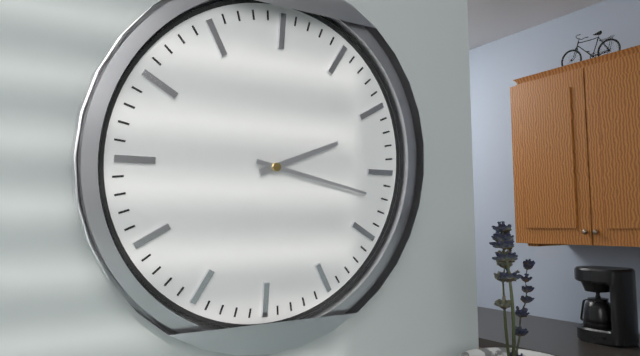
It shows {"hour": 2, "minute": 17}
